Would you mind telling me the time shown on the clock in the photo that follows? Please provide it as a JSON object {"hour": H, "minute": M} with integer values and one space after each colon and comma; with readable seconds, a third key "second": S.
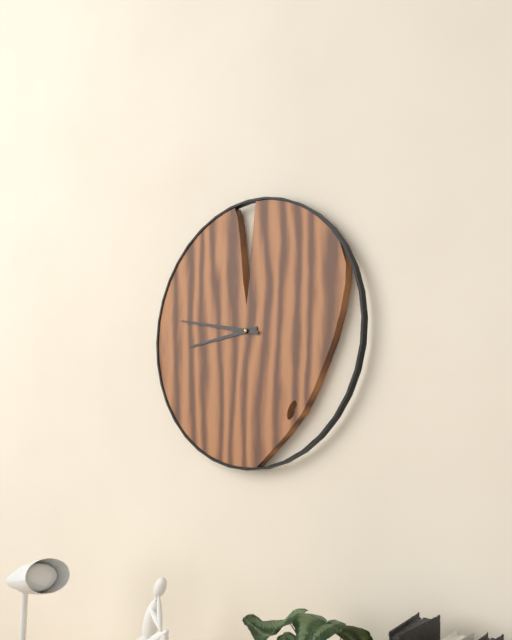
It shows {"hour": 8, "minute": 47}
